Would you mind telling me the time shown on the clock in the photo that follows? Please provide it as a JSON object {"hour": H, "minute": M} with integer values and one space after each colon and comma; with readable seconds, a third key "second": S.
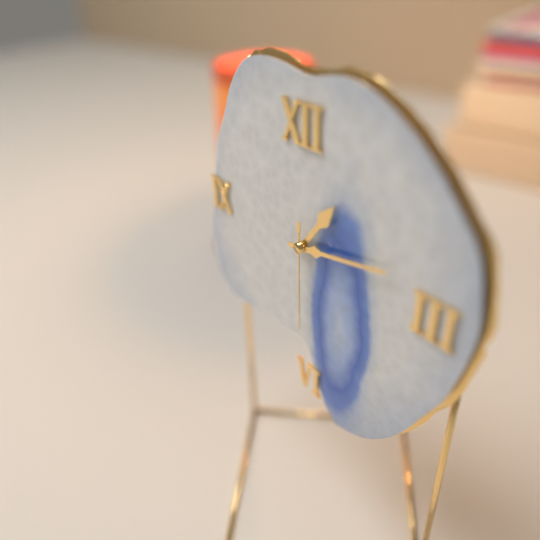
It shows {"hour": 1, "minute": 13, "second": 30}
